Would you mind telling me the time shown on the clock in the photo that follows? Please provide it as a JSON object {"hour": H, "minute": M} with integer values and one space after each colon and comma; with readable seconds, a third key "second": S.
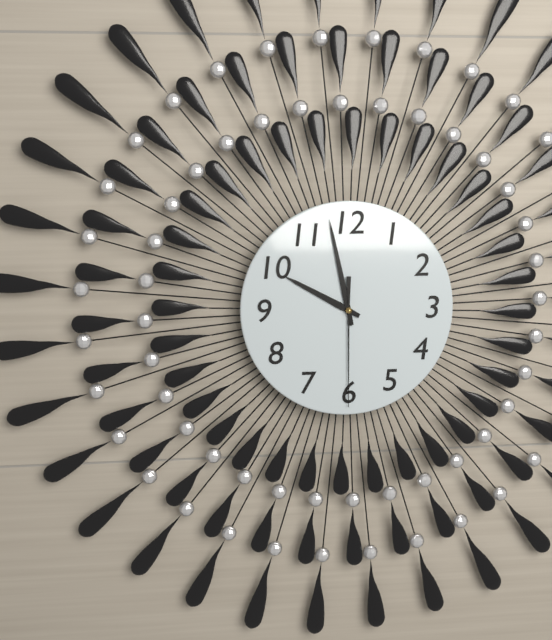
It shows {"hour": 9, "minute": 58, "second": 30}
